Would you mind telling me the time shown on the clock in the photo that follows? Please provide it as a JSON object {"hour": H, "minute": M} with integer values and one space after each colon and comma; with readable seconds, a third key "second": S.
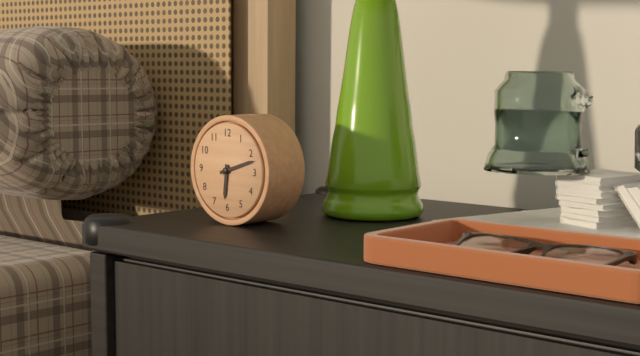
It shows {"hour": 6, "minute": 12}
